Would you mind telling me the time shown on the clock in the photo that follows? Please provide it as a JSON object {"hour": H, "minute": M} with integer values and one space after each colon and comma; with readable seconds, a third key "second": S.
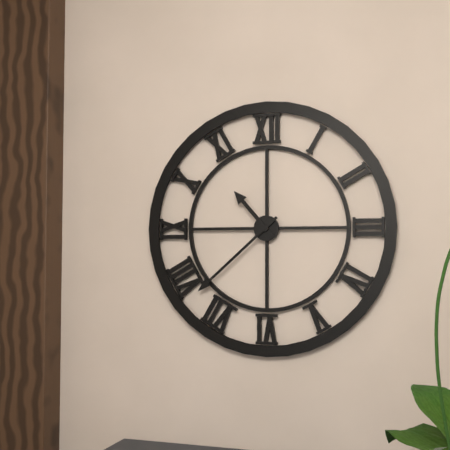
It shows {"hour": 10, "minute": 38}
